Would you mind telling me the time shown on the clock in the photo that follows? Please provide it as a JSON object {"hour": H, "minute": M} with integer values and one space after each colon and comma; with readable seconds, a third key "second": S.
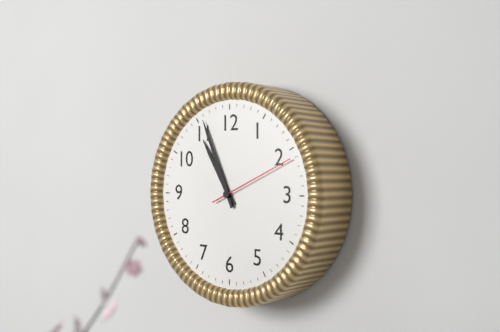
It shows {"hour": 10, "minute": 56, "second": 11}
